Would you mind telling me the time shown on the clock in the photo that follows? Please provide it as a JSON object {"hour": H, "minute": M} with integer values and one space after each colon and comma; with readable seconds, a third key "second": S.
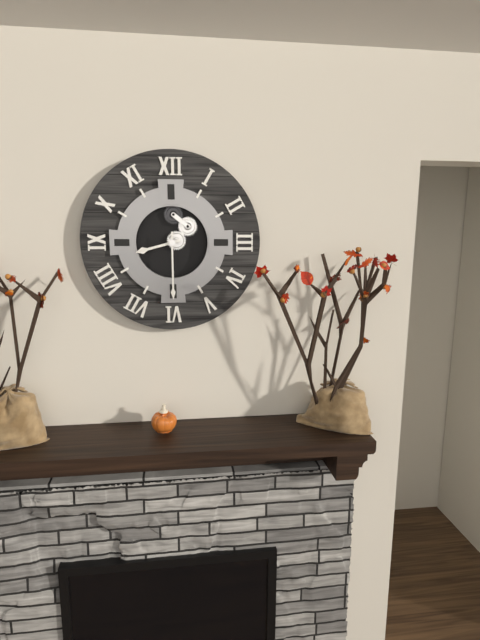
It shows {"hour": 8, "minute": 30}
